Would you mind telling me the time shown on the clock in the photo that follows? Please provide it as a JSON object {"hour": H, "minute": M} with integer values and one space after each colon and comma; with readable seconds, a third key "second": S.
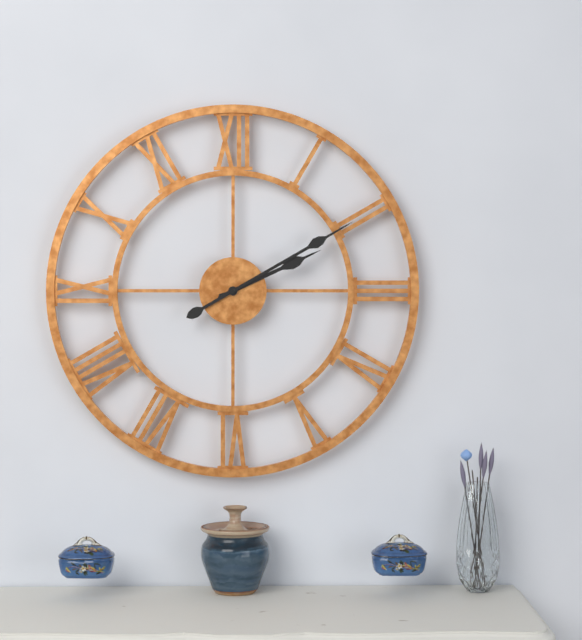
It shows {"hour": 2, "minute": 10}
